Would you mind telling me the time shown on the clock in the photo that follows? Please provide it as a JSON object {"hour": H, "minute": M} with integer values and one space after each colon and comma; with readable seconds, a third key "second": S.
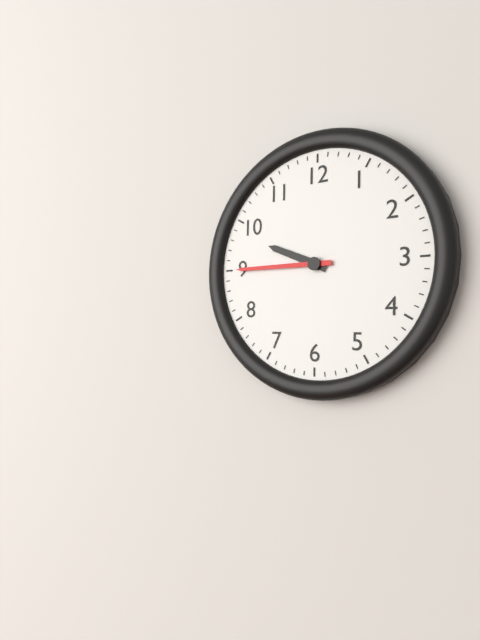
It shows {"hour": 9, "minute": 45}
